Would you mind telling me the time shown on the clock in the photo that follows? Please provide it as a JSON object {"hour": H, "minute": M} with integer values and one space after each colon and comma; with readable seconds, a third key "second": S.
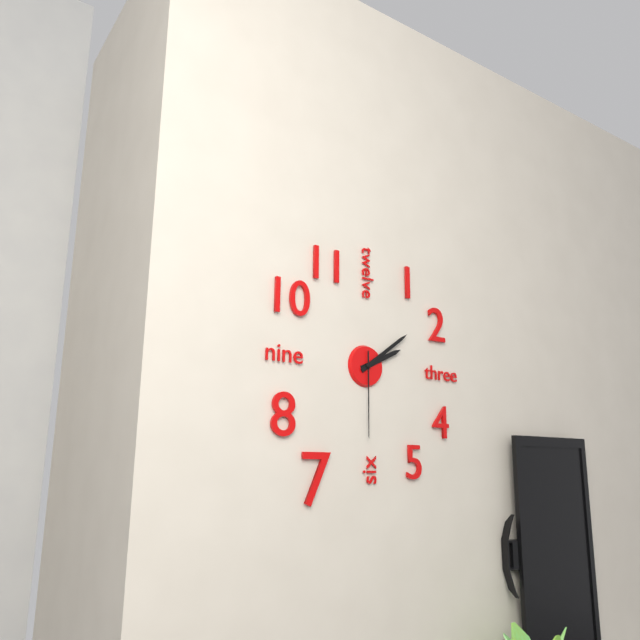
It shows {"hour": 2, "minute": 9, "second": 30}
